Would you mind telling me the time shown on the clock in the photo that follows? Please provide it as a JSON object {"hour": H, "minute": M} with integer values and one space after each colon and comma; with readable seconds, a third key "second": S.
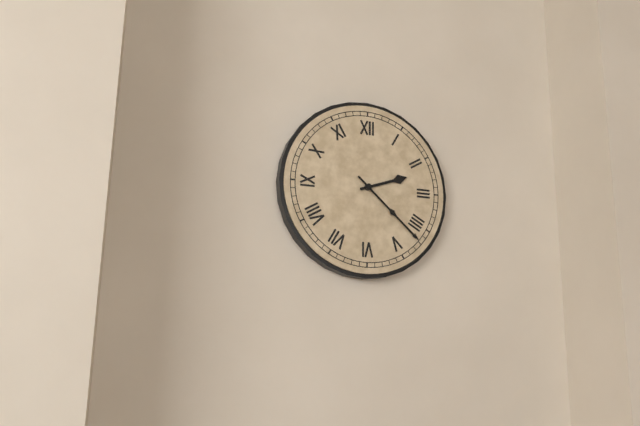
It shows {"hour": 2, "minute": 22}
